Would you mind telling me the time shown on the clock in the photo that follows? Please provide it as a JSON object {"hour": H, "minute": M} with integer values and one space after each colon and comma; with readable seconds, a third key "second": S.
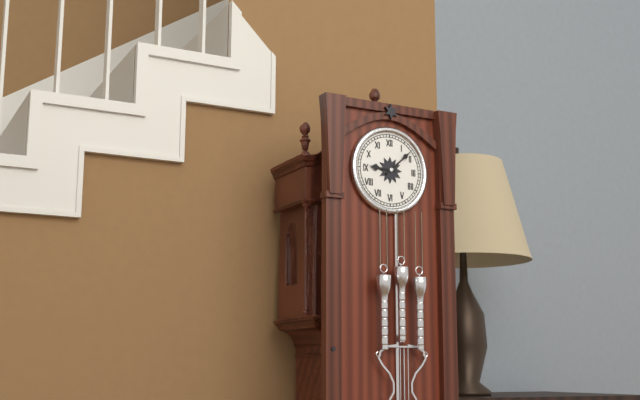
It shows {"hour": 9, "minute": 8}
